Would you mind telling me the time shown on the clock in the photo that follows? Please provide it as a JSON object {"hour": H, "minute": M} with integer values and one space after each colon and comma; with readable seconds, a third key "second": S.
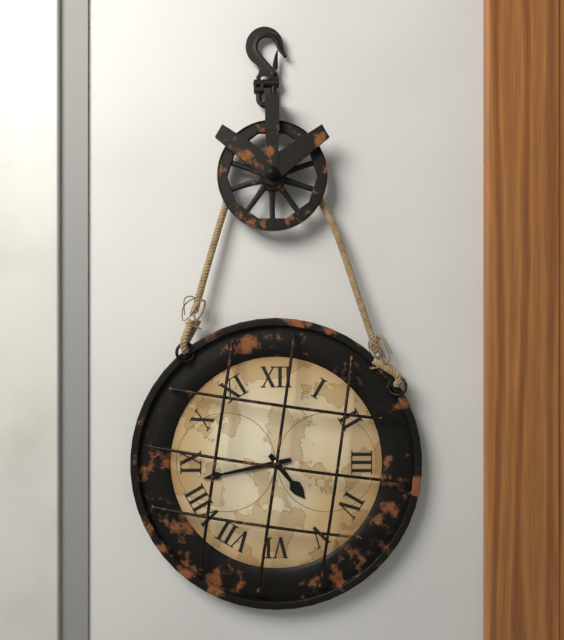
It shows {"hour": 4, "minute": 43}
